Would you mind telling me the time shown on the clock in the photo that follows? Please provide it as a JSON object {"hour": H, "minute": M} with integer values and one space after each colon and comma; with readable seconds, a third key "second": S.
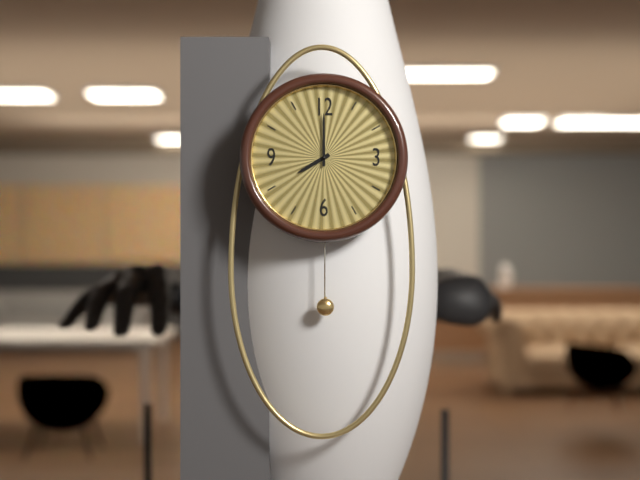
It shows {"hour": 8, "minute": 0}
